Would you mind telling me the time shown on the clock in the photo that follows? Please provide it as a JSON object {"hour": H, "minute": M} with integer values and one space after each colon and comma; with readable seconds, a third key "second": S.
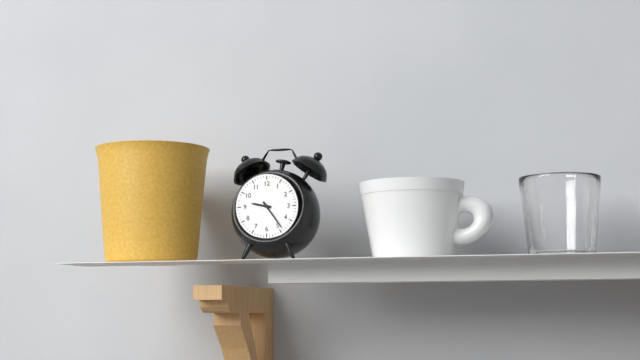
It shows {"hour": 9, "minute": 24}
